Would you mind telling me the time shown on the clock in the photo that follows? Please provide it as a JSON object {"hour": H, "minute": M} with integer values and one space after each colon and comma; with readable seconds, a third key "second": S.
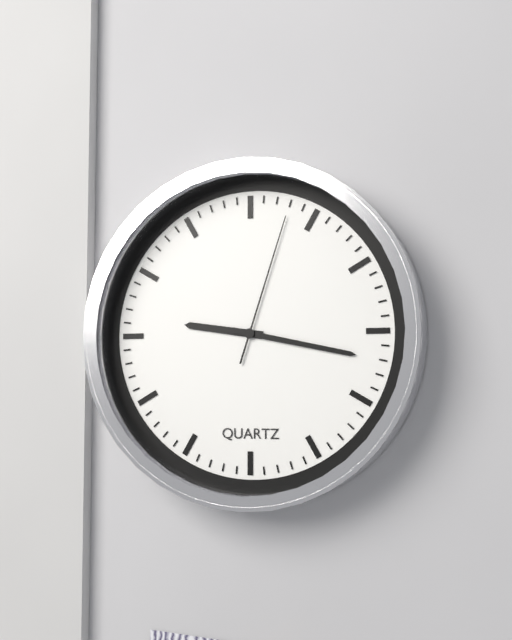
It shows {"hour": 9, "minute": 17, "second": 3}
